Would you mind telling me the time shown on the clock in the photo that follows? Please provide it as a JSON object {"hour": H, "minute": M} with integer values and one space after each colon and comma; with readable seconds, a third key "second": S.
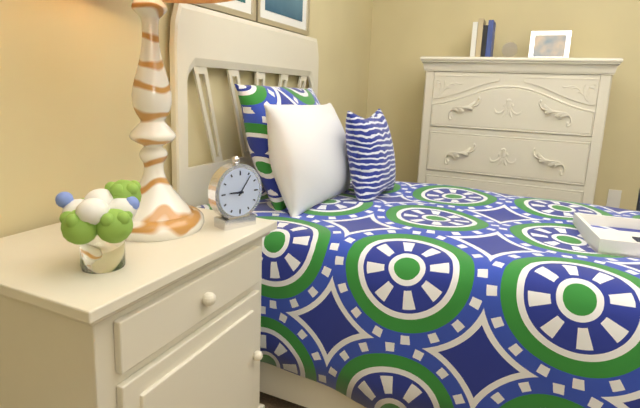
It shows {"hour": 9, "minute": 6}
